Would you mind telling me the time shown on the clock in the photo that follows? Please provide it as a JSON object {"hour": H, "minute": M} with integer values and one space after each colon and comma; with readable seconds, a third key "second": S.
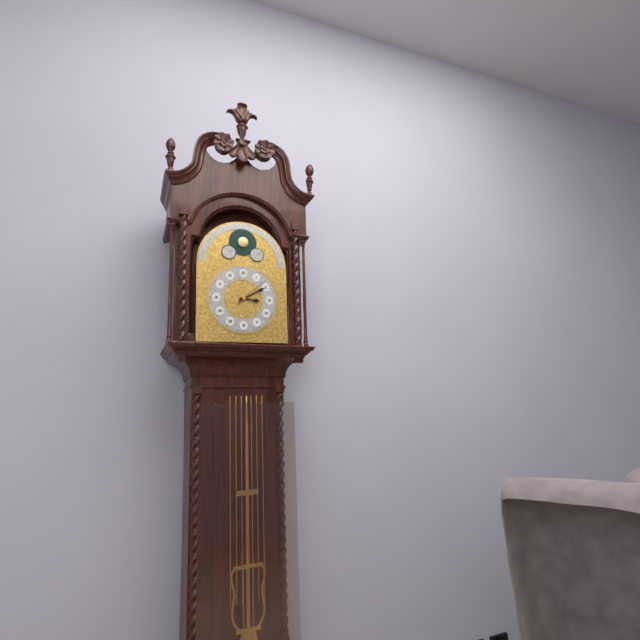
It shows {"hour": 3, "minute": 10}
